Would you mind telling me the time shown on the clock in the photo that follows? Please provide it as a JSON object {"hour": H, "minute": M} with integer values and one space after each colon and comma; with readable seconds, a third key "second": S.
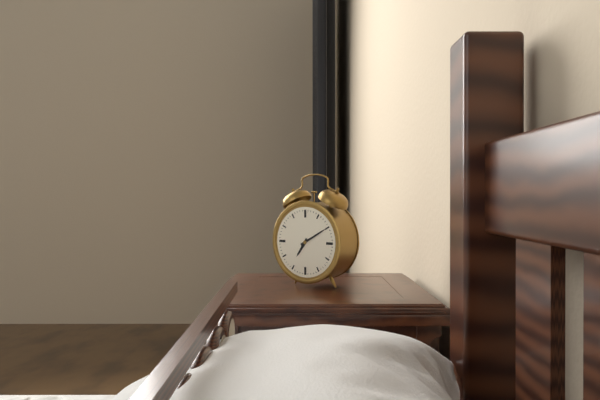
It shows {"hour": 7, "minute": 10}
